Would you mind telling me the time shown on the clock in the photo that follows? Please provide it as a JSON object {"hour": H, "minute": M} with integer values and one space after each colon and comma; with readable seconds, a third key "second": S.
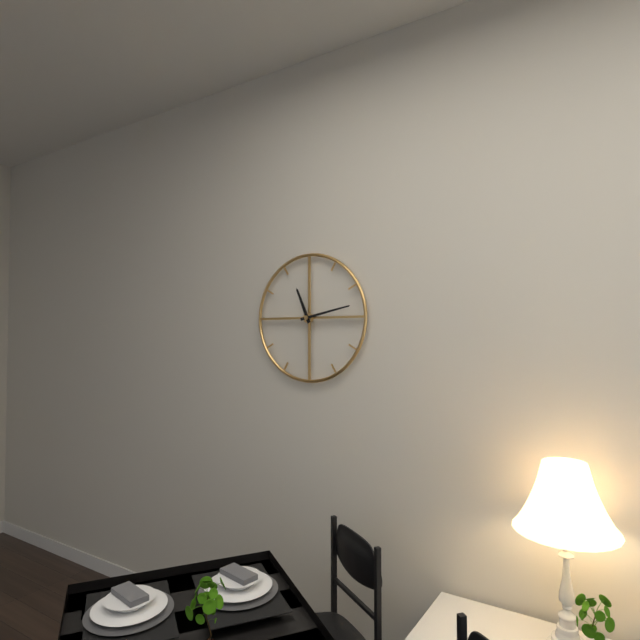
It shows {"hour": 11, "minute": 13}
